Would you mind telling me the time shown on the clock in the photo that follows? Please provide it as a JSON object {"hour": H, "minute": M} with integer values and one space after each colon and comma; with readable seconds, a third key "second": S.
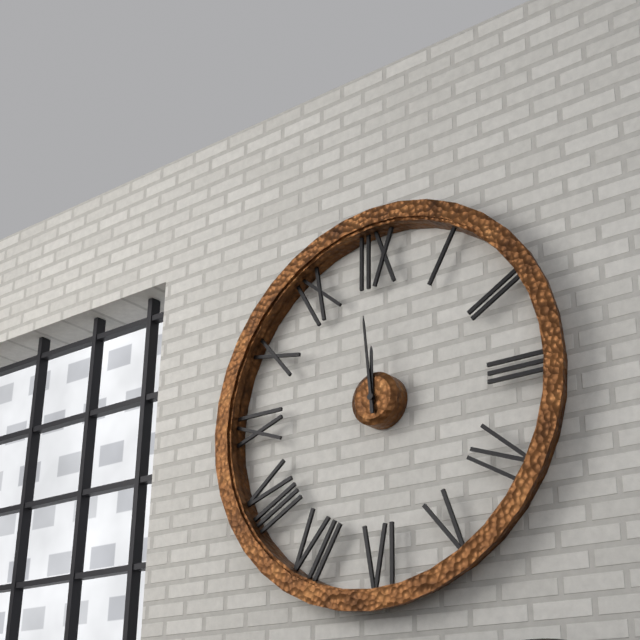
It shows {"hour": 11, "minute": 59}
